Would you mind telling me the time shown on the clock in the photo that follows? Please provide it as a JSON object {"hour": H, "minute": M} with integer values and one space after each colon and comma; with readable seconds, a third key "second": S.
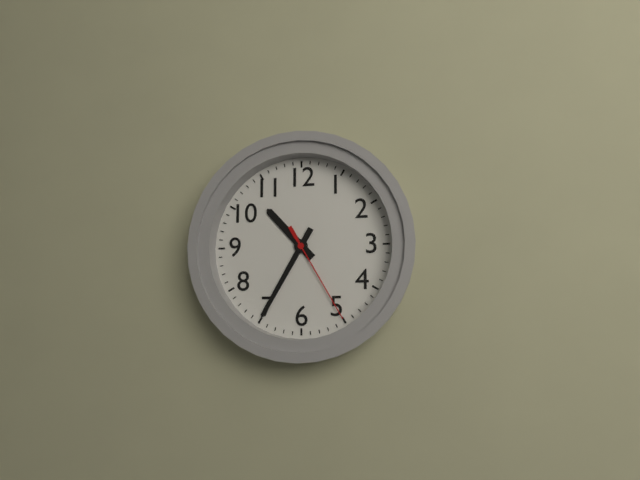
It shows {"hour": 10, "minute": 35, "second": 25}
